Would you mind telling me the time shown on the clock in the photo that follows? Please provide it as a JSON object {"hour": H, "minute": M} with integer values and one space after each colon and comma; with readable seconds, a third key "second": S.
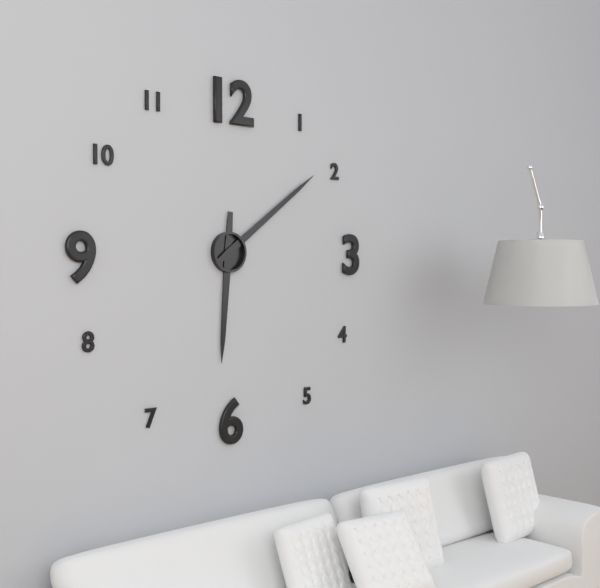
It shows {"hour": 6, "minute": 9}
